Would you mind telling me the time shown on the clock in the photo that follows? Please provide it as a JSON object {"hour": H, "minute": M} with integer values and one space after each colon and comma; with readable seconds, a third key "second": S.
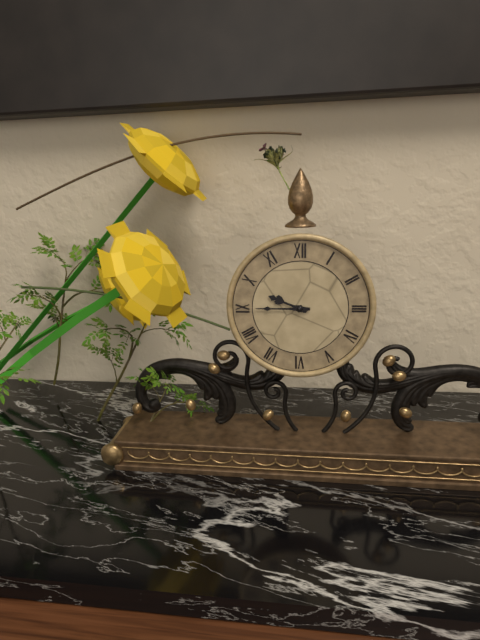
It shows {"hour": 9, "minute": 45}
